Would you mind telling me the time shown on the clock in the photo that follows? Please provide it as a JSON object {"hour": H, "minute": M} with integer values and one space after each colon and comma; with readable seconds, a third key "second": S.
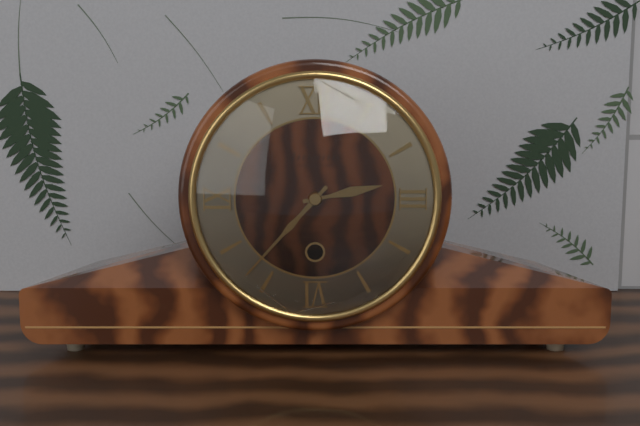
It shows {"hour": 2, "minute": 37}
